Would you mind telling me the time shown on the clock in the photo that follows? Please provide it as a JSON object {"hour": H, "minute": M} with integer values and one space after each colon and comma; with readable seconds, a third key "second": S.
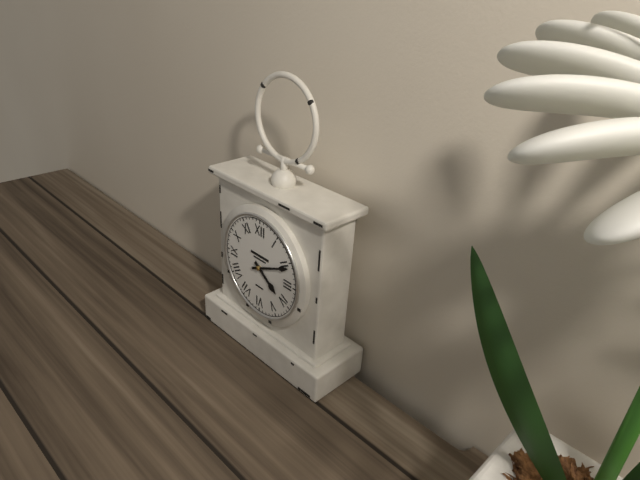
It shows {"hour": 4, "minute": 11}
